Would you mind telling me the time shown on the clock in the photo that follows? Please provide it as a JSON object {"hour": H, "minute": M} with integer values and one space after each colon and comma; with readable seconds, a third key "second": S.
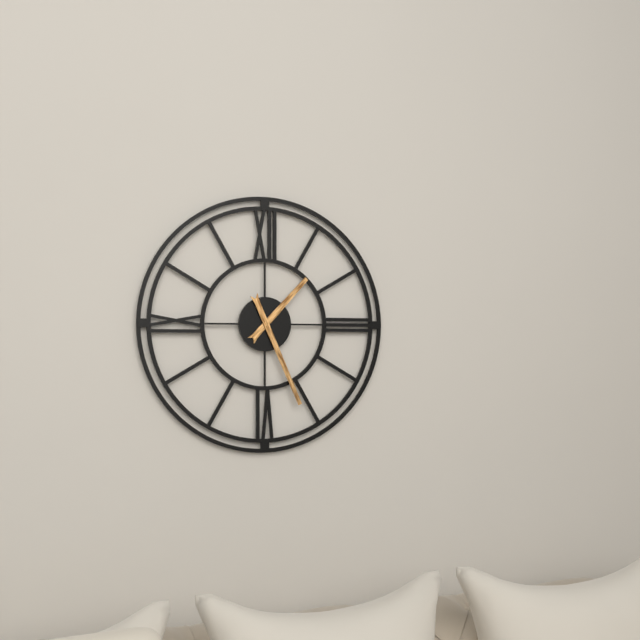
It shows {"hour": 1, "minute": 26}
